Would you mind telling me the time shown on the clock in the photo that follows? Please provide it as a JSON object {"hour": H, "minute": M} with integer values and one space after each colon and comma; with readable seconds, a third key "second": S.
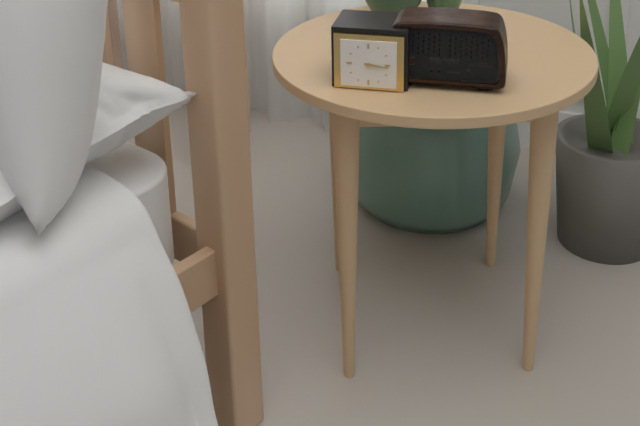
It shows {"hour": 3, "minute": 16}
